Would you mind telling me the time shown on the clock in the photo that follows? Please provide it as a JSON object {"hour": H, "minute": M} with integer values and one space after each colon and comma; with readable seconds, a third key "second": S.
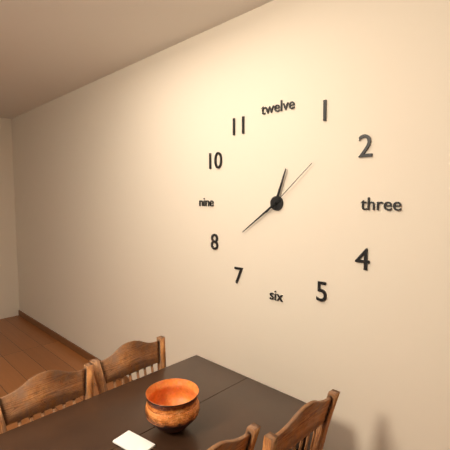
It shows {"hour": 12, "minute": 39, "second": 8}
